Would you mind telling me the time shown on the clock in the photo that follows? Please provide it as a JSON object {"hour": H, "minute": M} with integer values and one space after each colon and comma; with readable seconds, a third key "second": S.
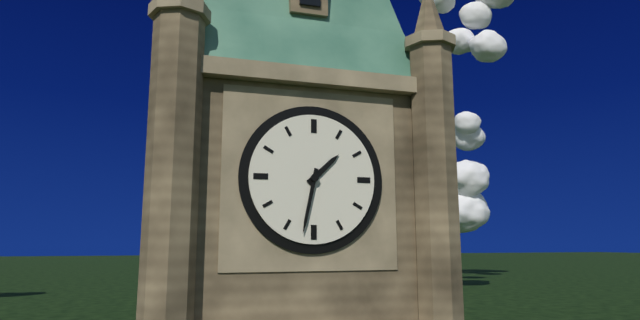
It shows {"hour": 1, "minute": 32}
